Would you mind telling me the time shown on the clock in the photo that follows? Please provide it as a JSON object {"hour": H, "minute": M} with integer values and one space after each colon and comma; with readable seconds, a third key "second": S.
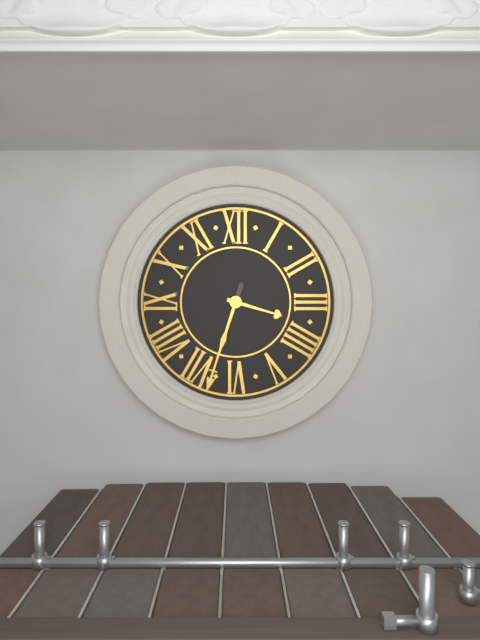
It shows {"hour": 3, "minute": 33}
